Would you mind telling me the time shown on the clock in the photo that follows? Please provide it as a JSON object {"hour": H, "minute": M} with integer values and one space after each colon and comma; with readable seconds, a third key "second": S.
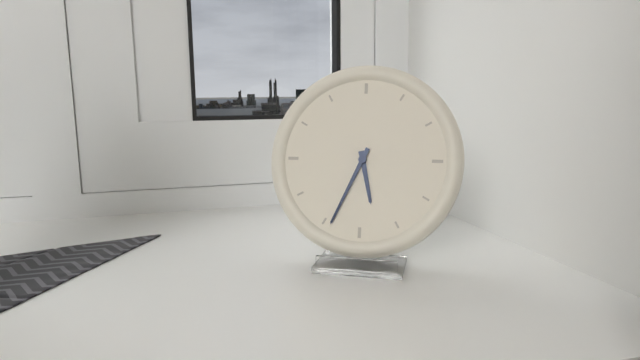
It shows {"hour": 5, "minute": 34}
